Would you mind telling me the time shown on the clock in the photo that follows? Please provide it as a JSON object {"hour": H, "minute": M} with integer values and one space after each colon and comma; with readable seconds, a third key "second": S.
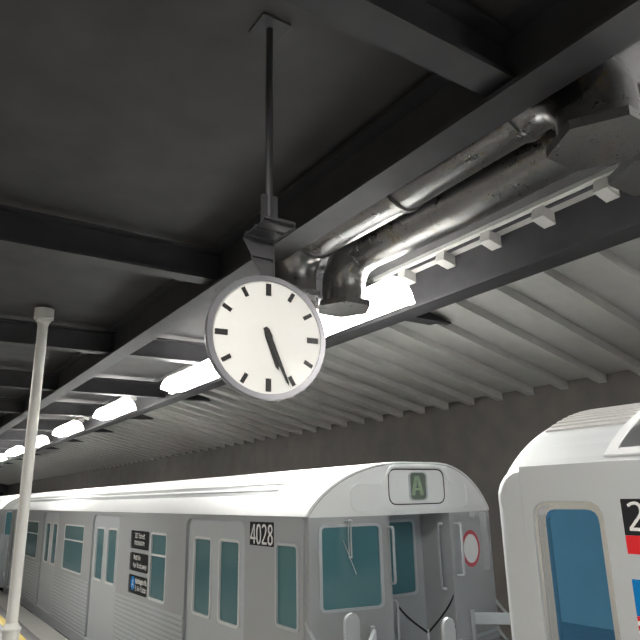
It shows {"hour": 5, "minute": 26}
